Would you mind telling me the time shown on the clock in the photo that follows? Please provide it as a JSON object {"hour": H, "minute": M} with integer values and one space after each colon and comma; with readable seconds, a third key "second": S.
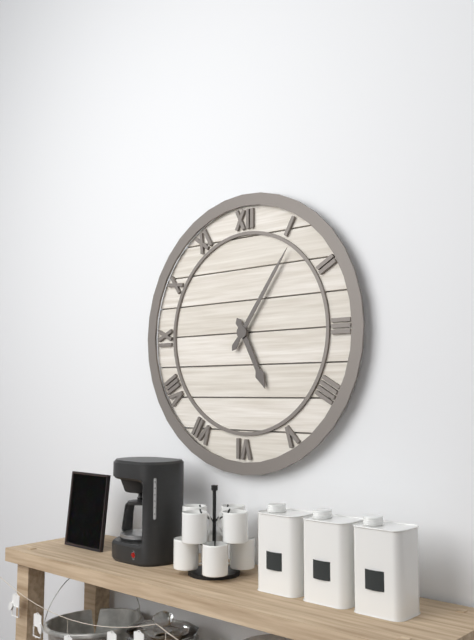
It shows {"hour": 5, "minute": 6}
